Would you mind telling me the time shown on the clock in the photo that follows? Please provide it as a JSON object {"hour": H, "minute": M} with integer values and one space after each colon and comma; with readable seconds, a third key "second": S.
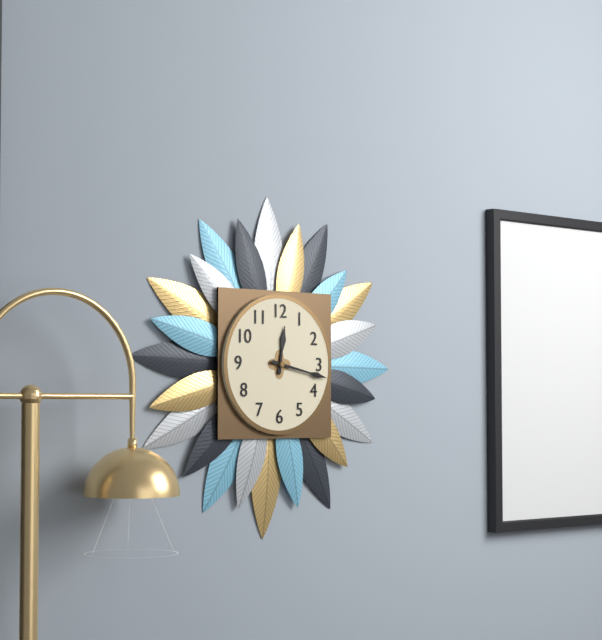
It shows {"hour": 12, "minute": 17}
